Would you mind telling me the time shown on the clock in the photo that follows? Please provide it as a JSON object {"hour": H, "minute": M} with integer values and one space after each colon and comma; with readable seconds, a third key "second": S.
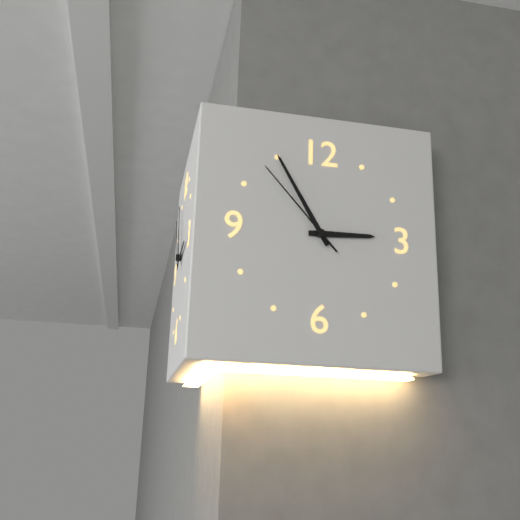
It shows {"hour": 2, "minute": 55, "second": 53}
